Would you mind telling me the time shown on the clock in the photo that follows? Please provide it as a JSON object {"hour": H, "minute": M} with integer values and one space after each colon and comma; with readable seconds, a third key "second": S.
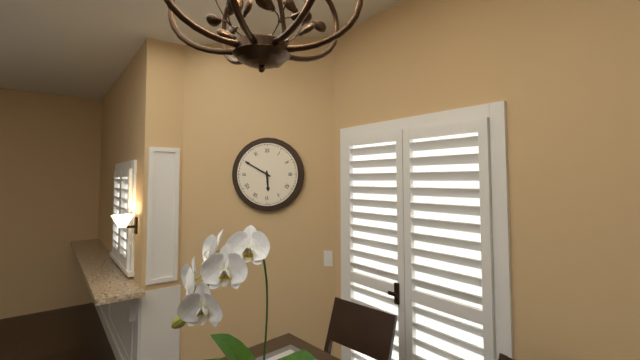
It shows {"hour": 5, "minute": 50}
